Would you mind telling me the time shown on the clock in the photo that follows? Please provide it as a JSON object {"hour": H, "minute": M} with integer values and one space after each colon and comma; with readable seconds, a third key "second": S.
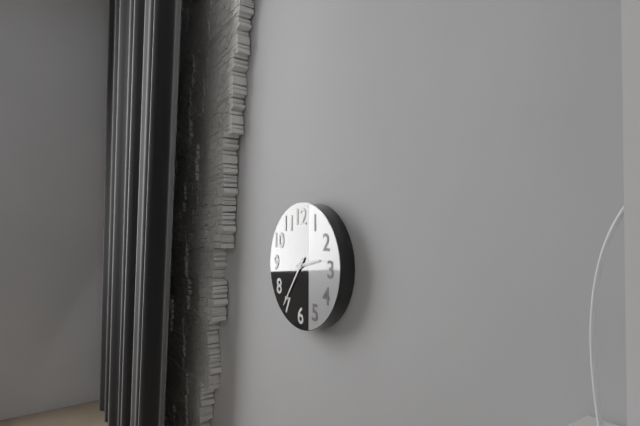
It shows {"hour": 2, "minute": 36}
